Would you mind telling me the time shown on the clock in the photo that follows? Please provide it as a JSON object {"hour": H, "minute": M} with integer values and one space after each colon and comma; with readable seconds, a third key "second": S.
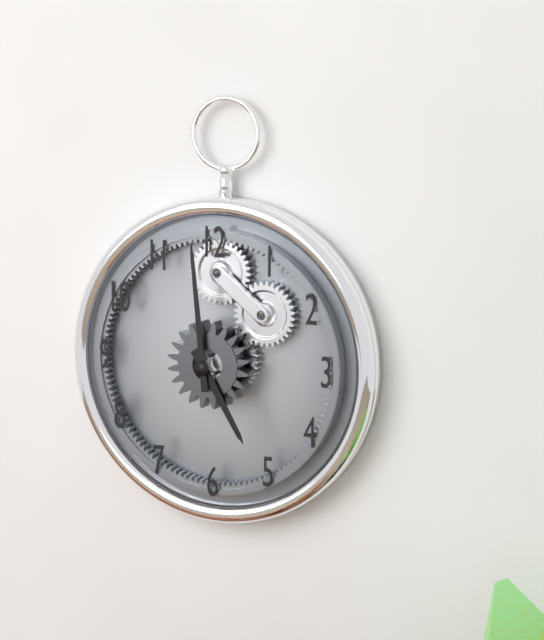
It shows {"hour": 4, "minute": 59}
